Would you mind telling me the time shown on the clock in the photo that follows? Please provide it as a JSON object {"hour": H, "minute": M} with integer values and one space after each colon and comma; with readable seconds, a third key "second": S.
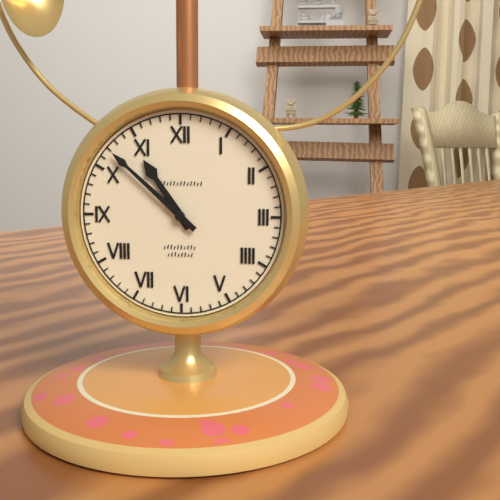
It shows {"hour": 10, "minute": 52}
